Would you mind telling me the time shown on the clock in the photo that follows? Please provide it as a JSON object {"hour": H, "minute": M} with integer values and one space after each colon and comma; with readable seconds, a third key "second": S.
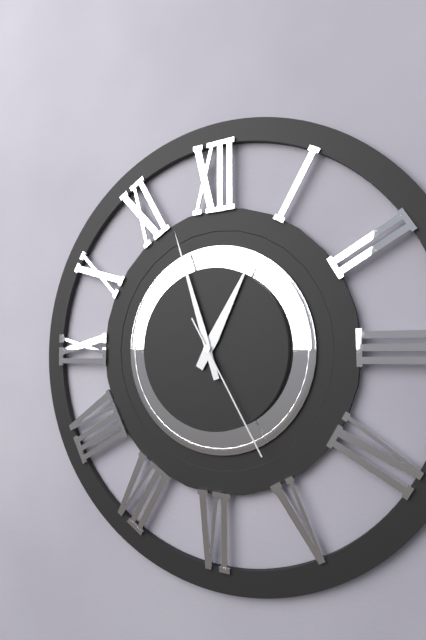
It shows {"hour": 12, "minute": 57, "second": 25}
